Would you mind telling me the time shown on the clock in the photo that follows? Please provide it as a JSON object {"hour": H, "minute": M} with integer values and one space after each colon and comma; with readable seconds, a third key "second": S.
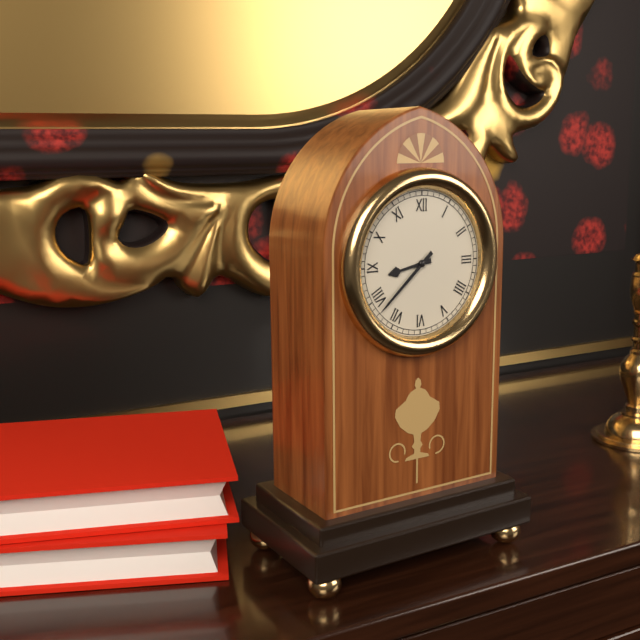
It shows {"hour": 8, "minute": 38}
